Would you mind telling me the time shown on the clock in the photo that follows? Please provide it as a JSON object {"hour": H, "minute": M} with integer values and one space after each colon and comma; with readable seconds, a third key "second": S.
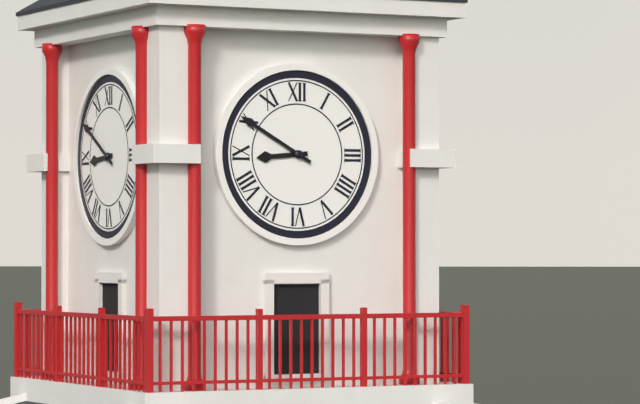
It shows {"hour": 8, "minute": 50}
